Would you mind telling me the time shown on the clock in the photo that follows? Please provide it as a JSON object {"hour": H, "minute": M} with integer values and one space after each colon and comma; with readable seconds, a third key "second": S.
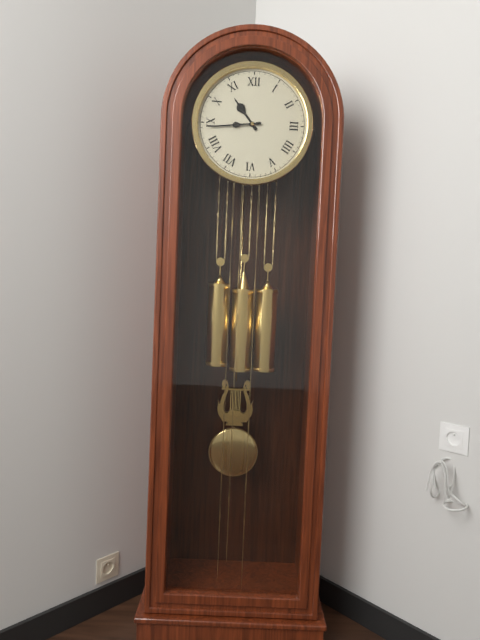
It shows {"hour": 10, "minute": 44}
